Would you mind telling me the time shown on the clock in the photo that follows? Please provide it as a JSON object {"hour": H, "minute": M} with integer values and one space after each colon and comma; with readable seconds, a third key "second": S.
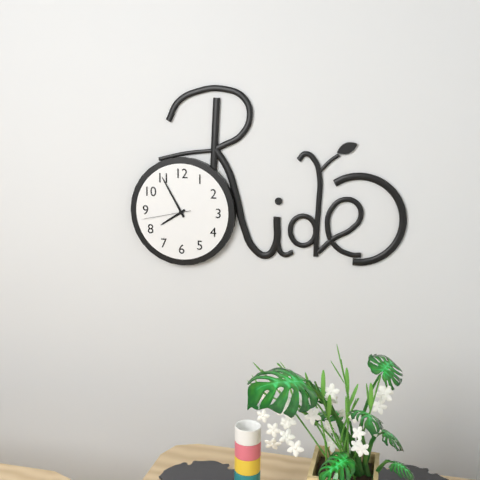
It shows {"hour": 7, "minute": 55, "second": 43}
